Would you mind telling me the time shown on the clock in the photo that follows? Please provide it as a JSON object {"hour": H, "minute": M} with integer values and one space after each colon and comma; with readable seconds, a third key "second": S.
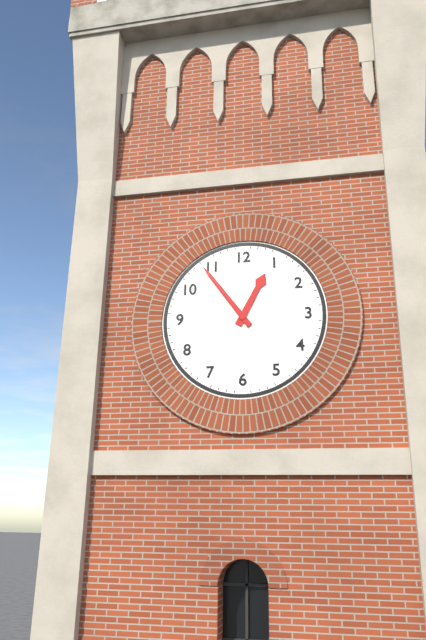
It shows {"hour": 12, "minute": 54}
